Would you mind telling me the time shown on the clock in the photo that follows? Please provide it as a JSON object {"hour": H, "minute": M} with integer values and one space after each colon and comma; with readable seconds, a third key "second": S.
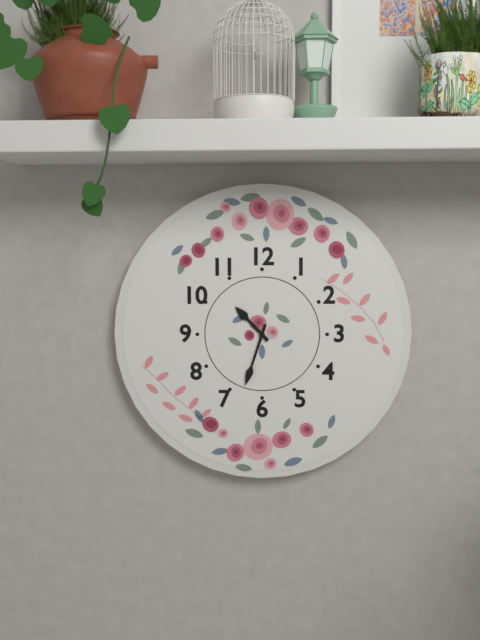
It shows {"hour": 10, "minute": 33}
